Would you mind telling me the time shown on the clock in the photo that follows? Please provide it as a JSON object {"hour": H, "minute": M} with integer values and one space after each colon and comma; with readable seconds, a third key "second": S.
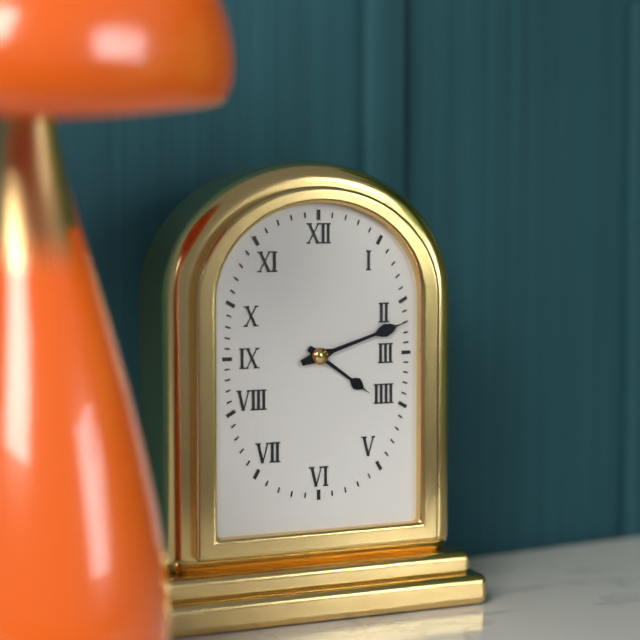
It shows {"hour": 4, "minute": 12}
